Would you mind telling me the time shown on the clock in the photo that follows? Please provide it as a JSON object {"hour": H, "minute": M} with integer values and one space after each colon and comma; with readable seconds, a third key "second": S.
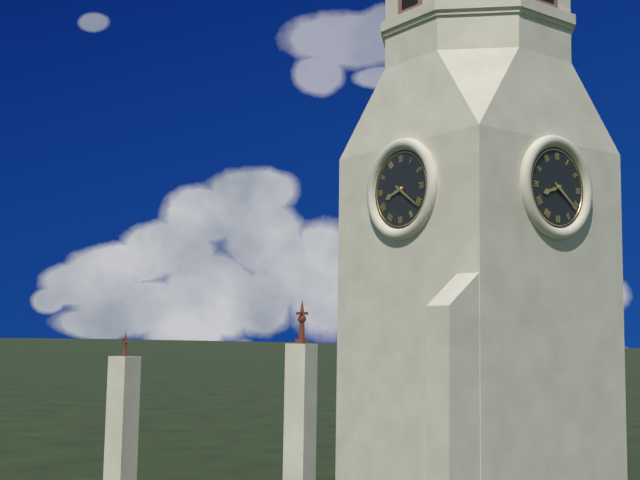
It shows {"hour": 8, "minute": 21}
